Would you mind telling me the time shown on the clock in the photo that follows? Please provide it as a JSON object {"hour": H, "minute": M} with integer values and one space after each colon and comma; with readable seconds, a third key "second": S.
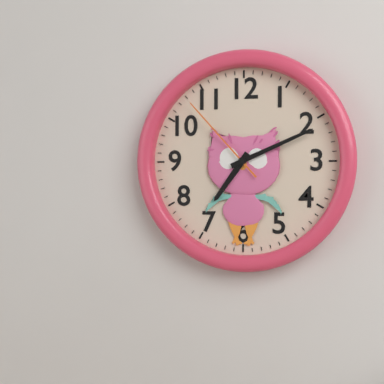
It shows {"hour": 7, "minute": 11, "second": 53}
